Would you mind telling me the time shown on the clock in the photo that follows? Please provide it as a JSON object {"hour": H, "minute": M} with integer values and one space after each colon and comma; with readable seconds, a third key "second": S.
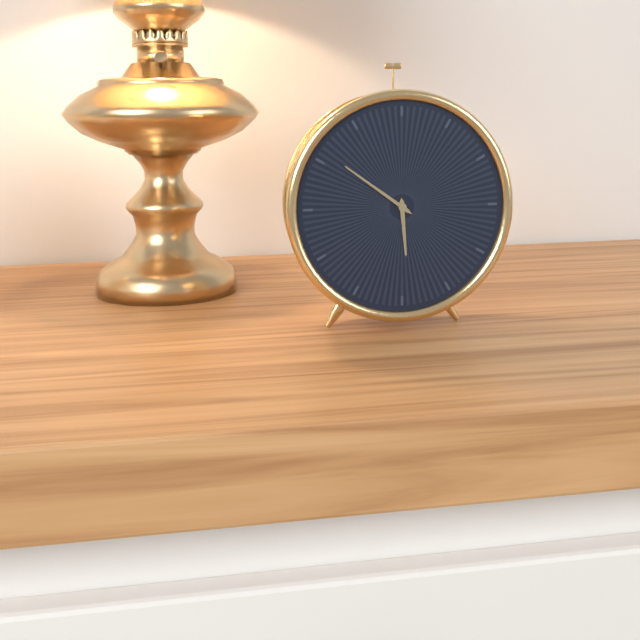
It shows {"hour": 5, "minute": 51}
